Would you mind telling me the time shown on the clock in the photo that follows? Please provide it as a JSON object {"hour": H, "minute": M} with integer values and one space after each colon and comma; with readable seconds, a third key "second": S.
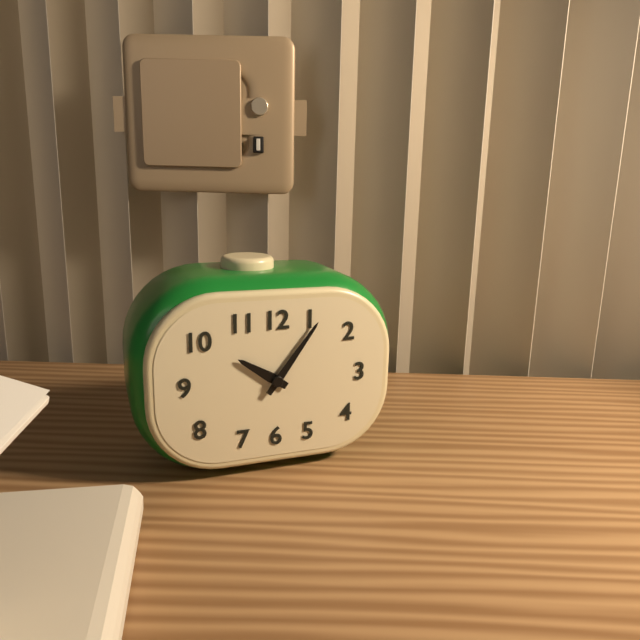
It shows {"hour": 10, "minute": 6}
